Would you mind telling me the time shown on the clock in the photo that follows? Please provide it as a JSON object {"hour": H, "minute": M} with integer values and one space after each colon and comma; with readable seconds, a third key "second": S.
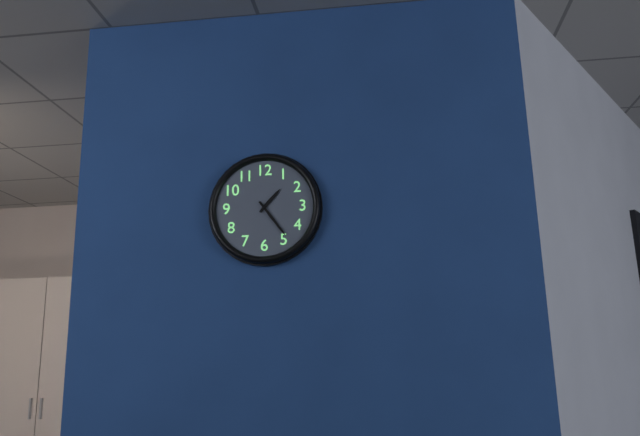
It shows {"hour": 1, "minute": 24}
